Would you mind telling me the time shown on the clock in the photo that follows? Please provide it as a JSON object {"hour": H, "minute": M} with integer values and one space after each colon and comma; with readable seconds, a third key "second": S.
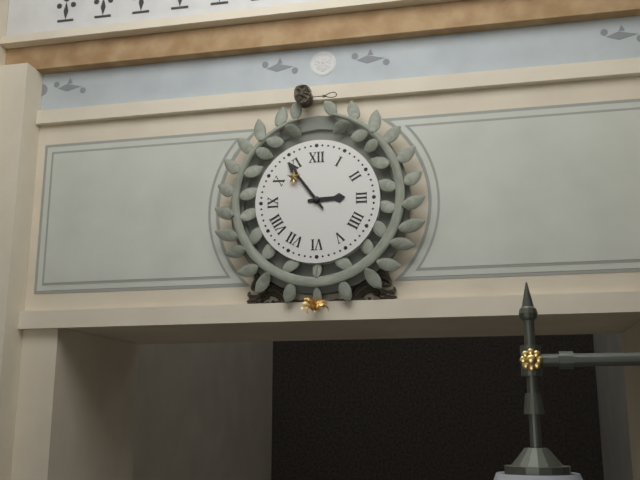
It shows {"hour": 2, "minute": 54}
